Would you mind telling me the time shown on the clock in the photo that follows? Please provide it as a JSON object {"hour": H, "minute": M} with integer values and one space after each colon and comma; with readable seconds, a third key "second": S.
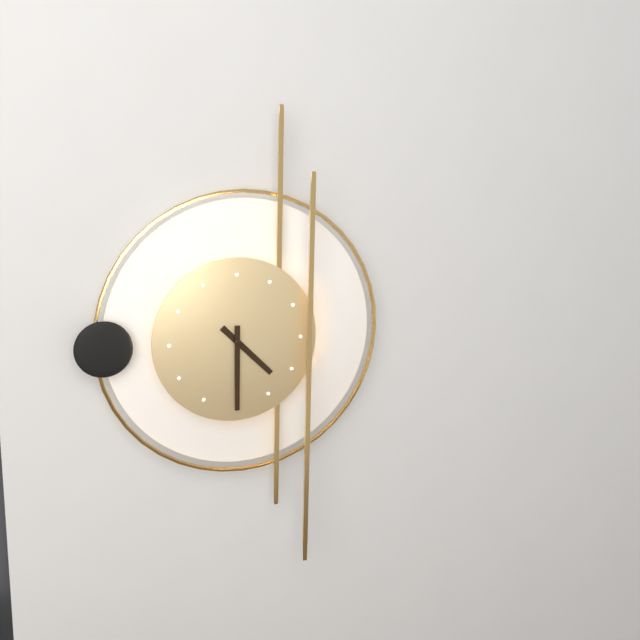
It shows {"hour": 4, "minute": 30}
